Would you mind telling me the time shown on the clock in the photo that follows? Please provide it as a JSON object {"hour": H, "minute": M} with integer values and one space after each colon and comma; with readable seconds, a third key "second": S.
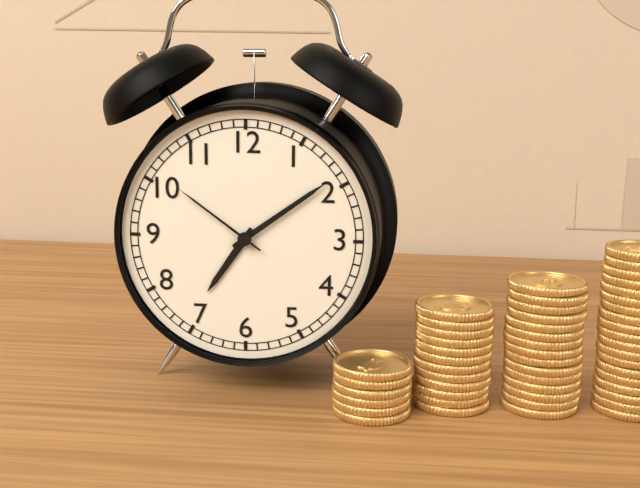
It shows {"hour": 7, "minute": 9, "second": 51}
